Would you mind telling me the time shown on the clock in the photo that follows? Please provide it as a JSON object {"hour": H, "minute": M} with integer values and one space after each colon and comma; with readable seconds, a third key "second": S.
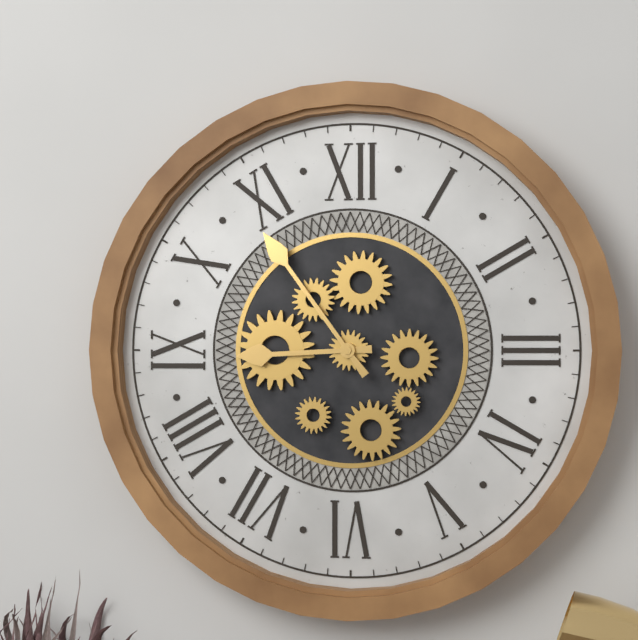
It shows {"hour": 8, "minute": 54}
